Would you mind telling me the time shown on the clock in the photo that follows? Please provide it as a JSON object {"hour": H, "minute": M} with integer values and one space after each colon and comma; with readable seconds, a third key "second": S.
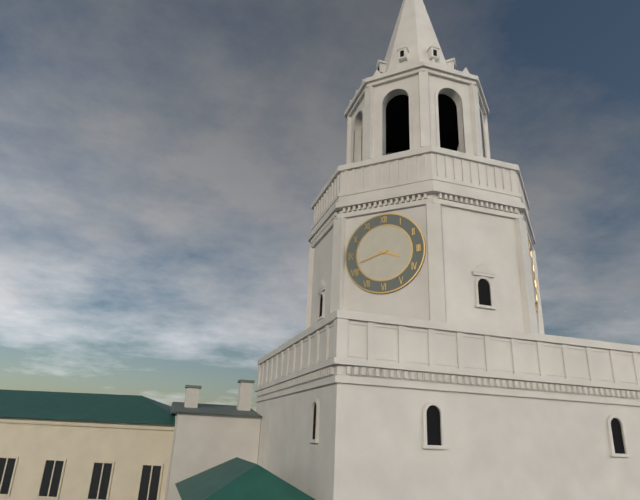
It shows {"hour": 3, "minute": 42}
